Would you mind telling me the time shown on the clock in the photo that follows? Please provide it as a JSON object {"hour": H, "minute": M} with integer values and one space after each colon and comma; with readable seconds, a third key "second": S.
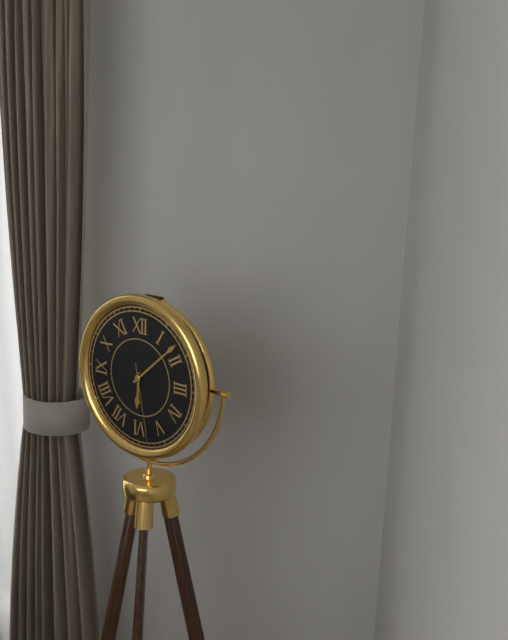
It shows {"hour": 6, "minute": 8, "second": 28}
